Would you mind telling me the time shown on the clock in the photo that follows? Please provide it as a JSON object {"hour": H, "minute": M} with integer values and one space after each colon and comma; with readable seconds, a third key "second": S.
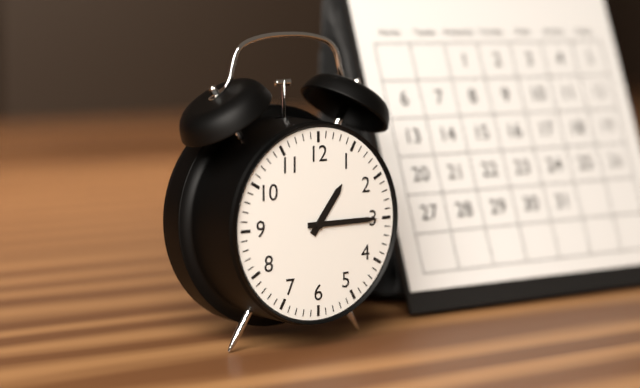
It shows {"hour": 1, "minute": 15}
